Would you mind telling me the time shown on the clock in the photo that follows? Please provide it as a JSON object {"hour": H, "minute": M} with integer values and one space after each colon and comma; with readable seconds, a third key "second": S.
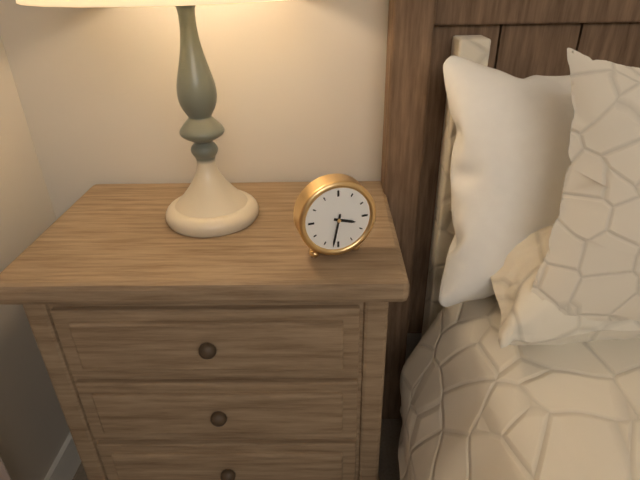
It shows {"hour": 3, "minute": 32}
